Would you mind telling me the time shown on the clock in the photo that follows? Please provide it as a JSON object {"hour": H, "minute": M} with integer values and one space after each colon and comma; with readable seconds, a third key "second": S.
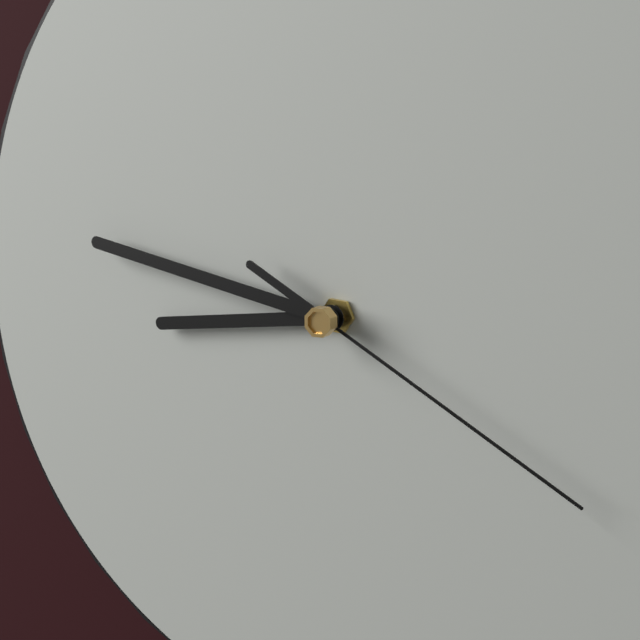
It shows {"hour": 8, "minute": 47, "second": 20}
